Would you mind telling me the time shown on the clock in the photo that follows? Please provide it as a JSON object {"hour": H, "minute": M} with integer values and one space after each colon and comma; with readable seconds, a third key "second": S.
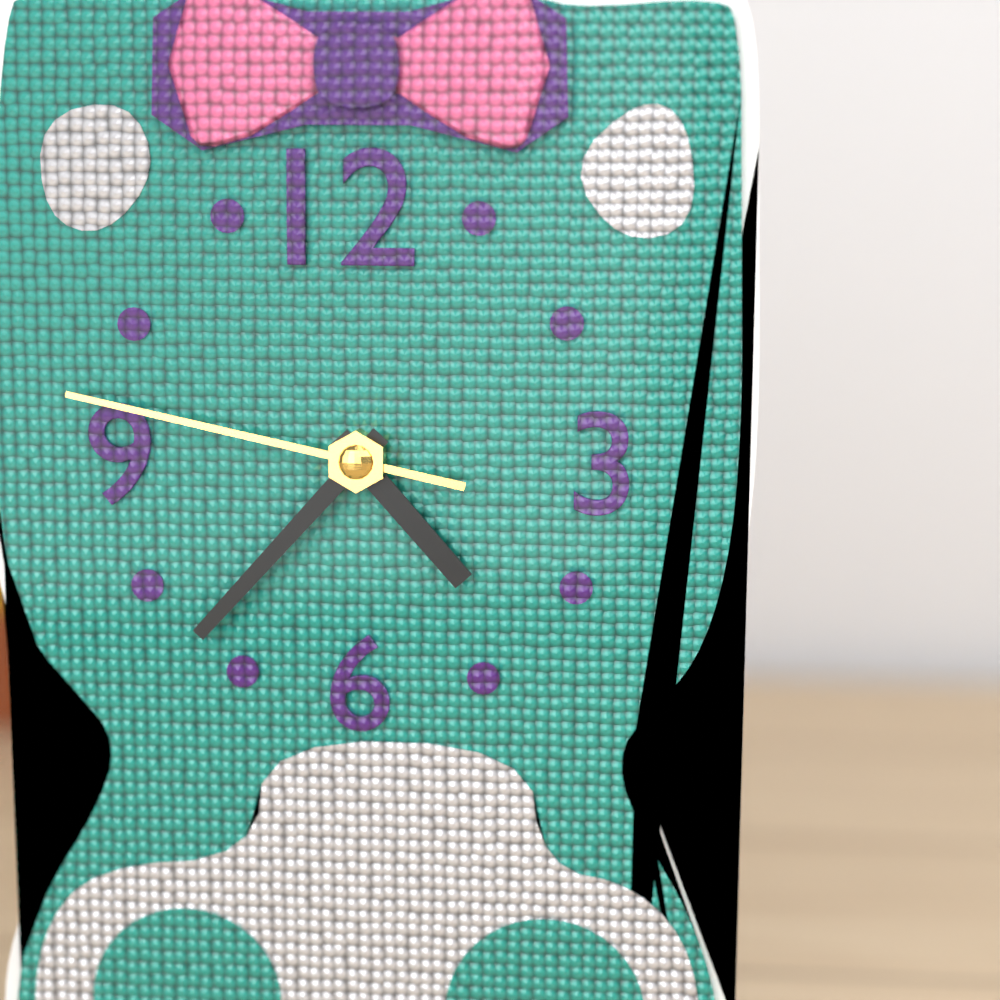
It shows {"hour": 4, "minute": 37, "second": 47}
